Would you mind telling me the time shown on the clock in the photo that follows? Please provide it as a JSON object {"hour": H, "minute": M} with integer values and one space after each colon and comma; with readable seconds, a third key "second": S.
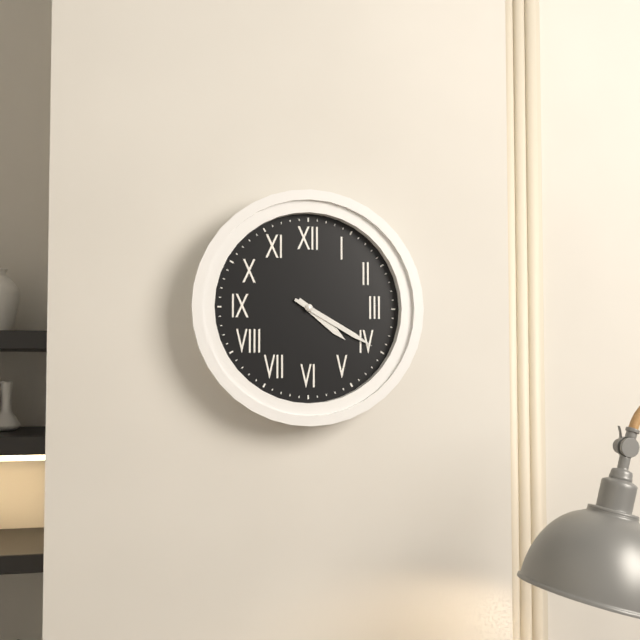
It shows {"hour": 4, "minute": 20}
